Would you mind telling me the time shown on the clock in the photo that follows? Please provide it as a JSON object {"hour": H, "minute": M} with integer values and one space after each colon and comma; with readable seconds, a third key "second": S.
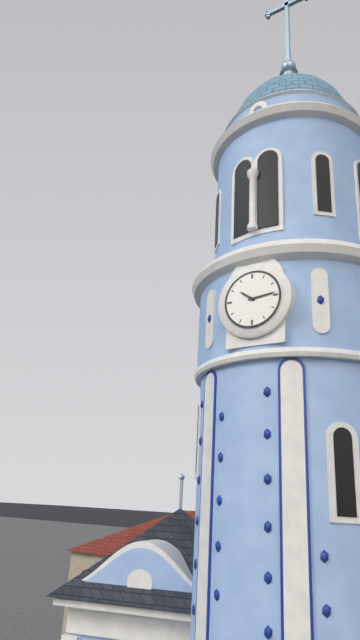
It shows {"hour": 10, "minute": 14}
